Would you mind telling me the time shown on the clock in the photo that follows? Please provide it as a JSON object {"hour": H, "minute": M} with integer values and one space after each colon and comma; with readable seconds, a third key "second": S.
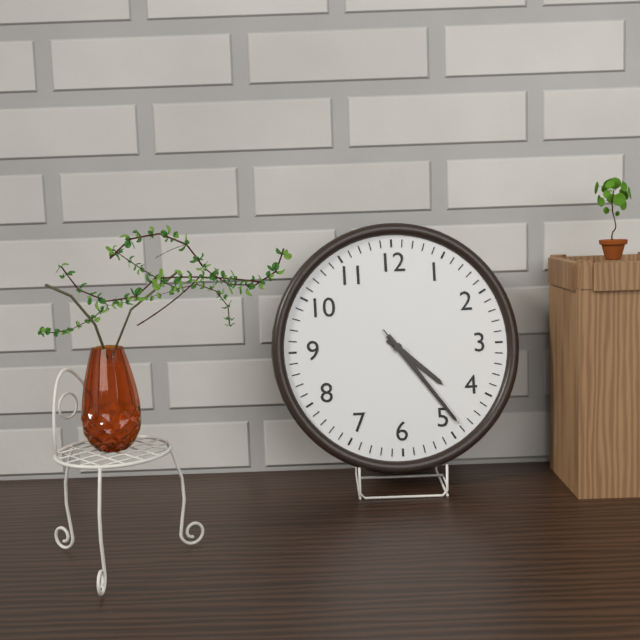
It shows {"hour": 4, "minute": 24, "second": 24}
